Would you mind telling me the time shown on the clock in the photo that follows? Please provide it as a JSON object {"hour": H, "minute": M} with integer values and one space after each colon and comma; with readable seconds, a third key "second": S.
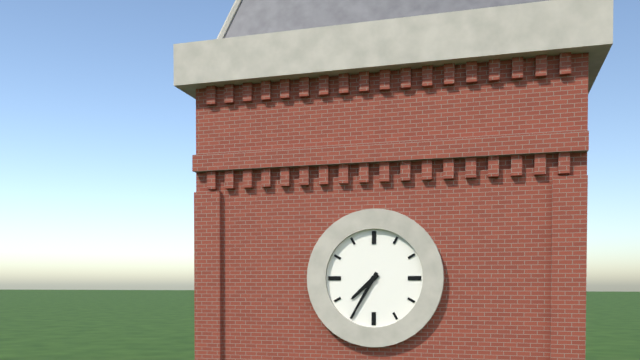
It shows {"hour": 7, "minute": 35}
